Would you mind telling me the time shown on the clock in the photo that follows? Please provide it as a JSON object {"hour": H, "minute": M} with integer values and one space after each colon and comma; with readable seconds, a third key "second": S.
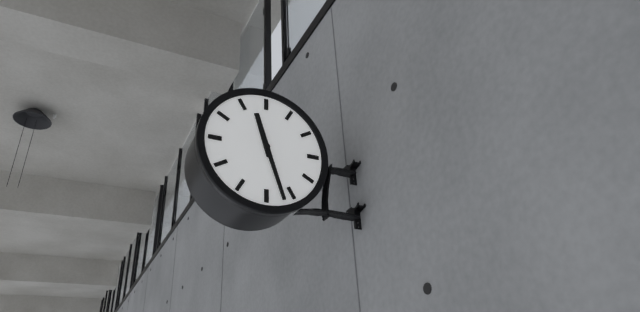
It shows {"hour": 11, "minute": 27}
